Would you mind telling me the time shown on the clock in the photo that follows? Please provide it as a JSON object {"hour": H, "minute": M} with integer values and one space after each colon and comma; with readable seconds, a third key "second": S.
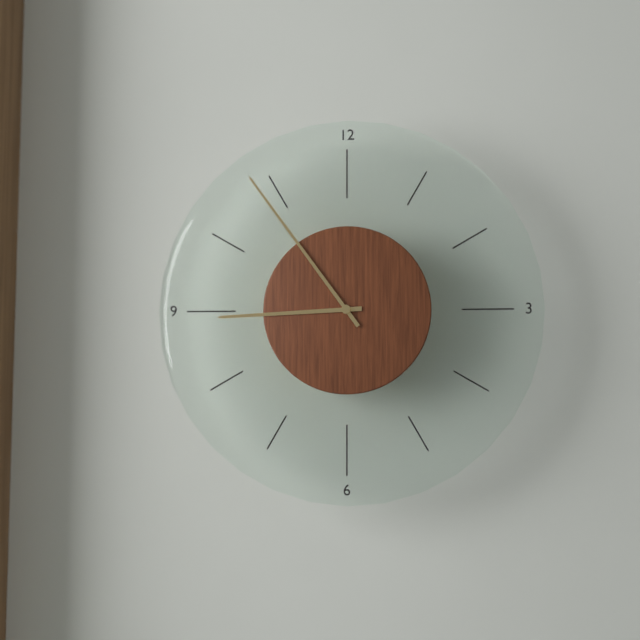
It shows {"hour": 8, "minute": 54}
